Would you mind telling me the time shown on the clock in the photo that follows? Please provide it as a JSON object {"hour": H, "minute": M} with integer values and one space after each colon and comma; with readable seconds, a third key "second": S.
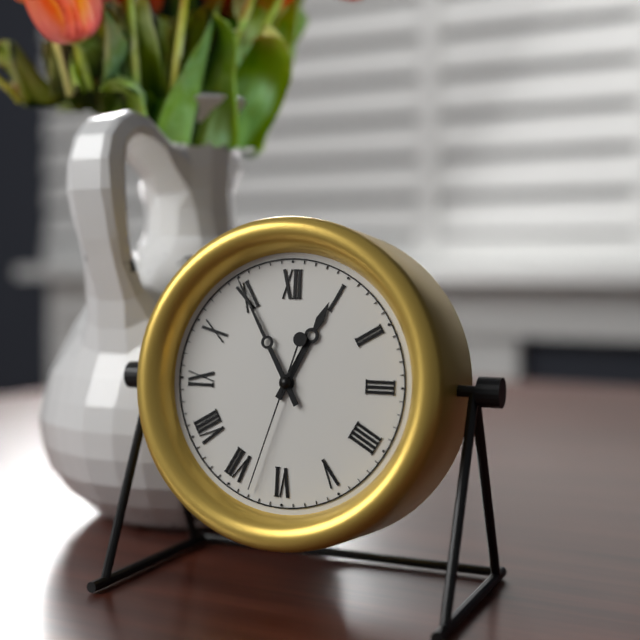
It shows {"hour": 12, "minute": 55, "second": 33}
